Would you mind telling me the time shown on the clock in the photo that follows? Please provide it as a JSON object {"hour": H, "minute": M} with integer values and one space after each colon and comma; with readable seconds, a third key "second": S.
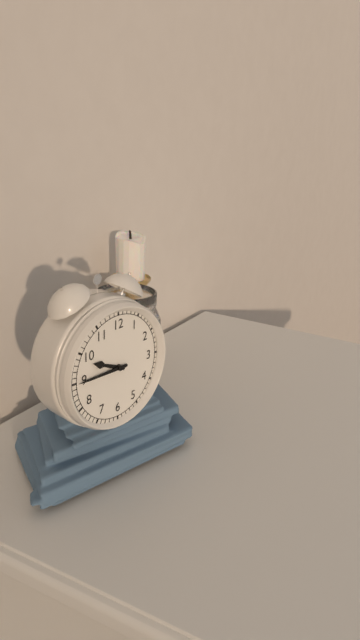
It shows {"hour": 9, "minute": 45}
